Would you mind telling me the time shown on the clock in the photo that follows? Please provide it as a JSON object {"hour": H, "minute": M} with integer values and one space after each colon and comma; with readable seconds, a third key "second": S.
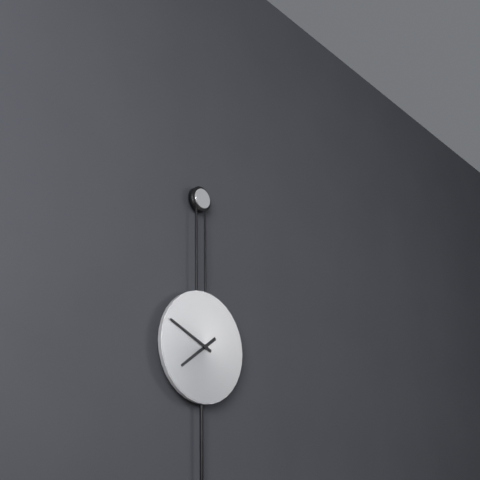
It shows {"hour": 7, "minute": 49}
